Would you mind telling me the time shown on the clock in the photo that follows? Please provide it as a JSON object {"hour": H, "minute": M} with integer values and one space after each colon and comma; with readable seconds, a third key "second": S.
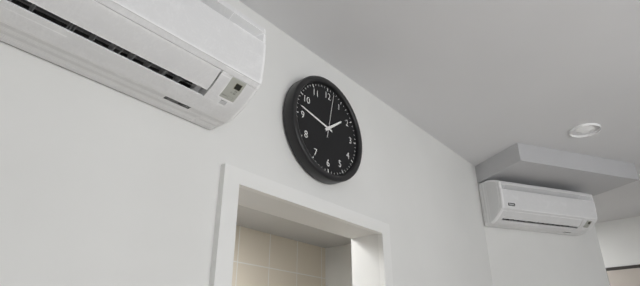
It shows {"hour": 1, "minute": 47}
